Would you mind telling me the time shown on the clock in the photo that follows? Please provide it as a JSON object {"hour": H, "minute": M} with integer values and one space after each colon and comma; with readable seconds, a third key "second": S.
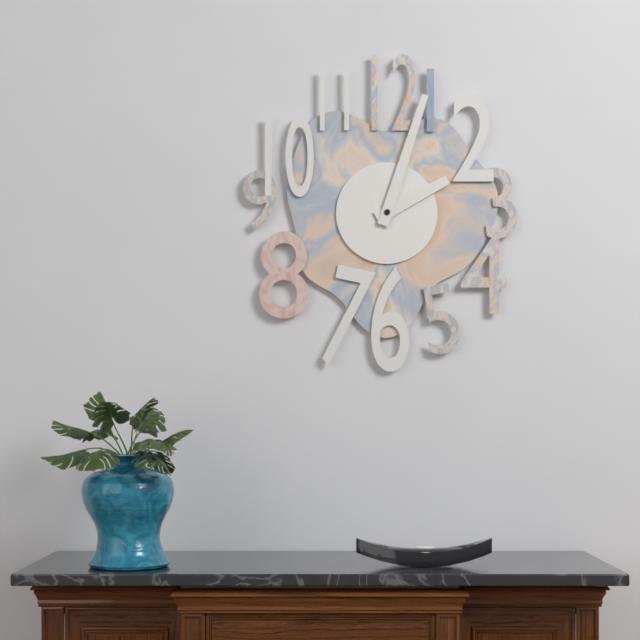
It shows {"hour": 2, "minute": 3}
